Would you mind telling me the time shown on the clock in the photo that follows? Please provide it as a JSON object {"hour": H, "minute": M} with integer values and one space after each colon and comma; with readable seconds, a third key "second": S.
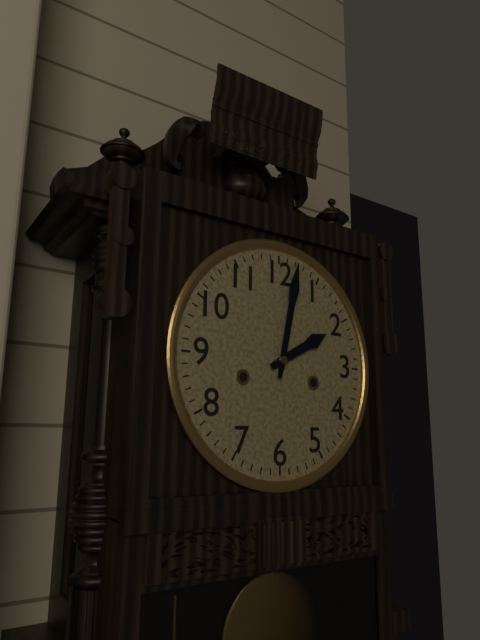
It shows {"hour": 2, "minute": 2}
